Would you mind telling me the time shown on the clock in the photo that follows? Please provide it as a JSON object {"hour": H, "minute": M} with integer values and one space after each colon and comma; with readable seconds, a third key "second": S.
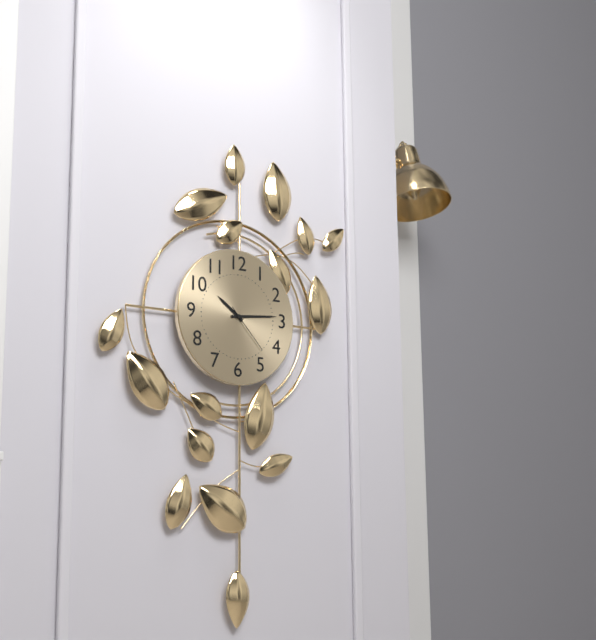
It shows {"hour": 10, "minute": 14, "second": 23}
